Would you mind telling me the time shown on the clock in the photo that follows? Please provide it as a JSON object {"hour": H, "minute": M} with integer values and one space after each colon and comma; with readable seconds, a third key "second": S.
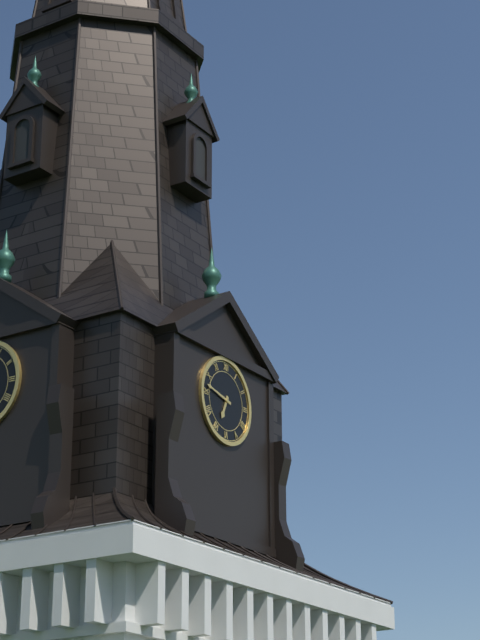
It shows {"hour": 6, "minute": 47}
